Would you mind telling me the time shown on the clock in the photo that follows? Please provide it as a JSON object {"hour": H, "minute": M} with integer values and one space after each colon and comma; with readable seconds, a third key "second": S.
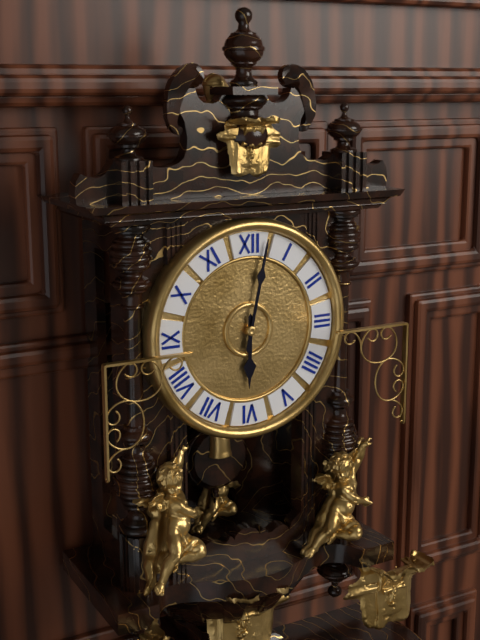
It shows {"hour": 6, "minute": 2}
